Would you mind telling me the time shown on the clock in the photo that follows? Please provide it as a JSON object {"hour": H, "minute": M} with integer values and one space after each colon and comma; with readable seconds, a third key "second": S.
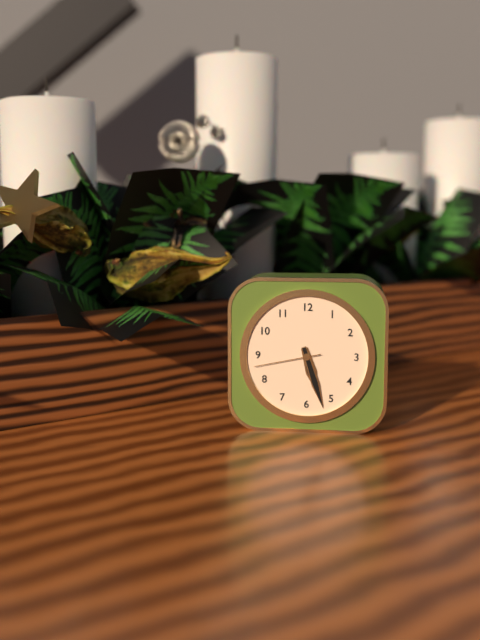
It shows {"hour": 5, "minute": 27, "second": 43}
